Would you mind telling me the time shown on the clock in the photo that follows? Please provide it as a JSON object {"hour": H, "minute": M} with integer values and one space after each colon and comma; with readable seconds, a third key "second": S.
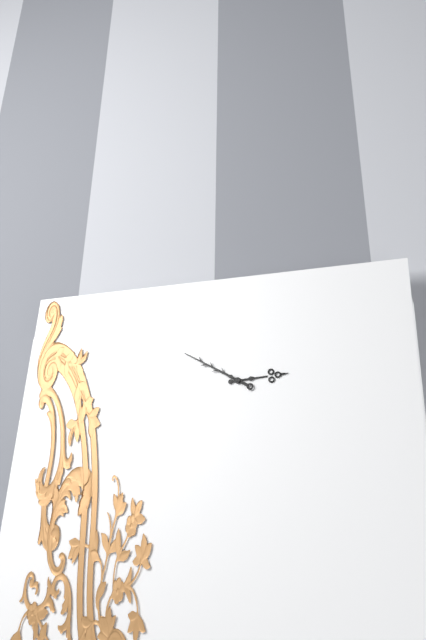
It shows {"hour": 2, "minute": 50}
